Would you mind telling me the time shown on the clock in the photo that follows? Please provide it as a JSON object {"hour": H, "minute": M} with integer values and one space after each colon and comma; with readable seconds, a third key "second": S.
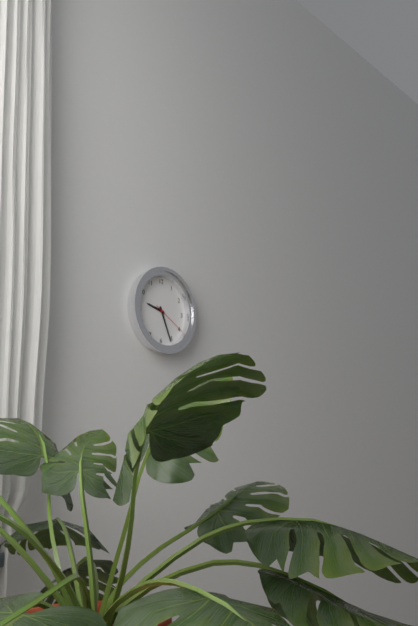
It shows {"hour": 9, "minute": 26}
